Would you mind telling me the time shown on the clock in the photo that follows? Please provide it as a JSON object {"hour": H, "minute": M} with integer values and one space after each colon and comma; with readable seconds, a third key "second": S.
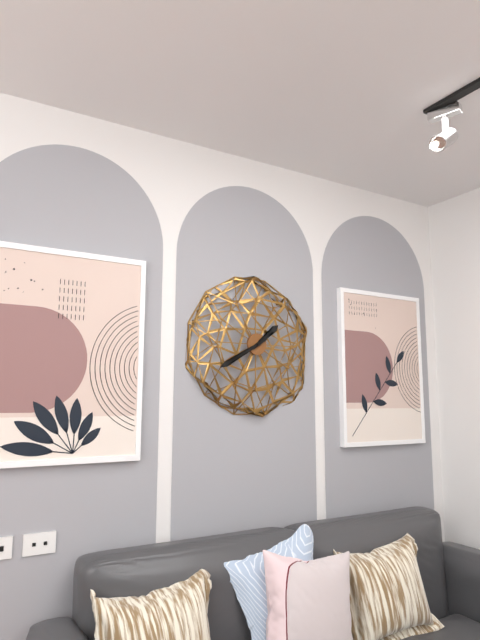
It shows {"hour": 1, "minute": 40}
